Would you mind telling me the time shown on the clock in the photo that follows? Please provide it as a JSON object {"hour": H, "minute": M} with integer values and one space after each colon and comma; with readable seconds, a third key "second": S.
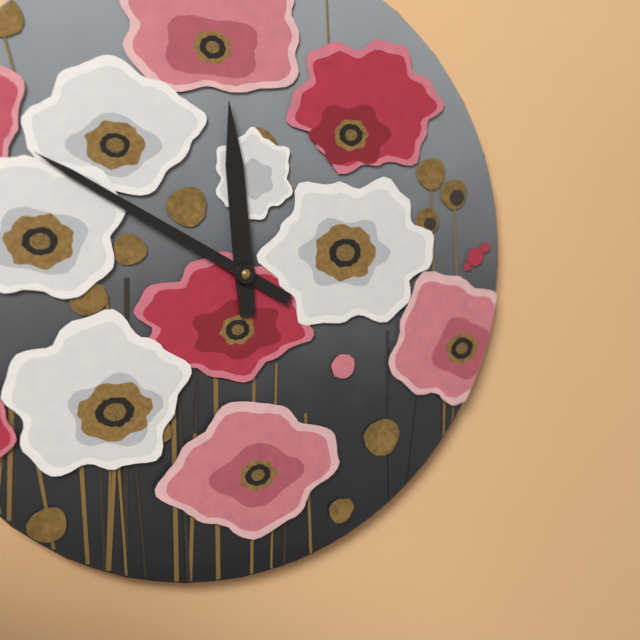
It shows {"hour": 11, "minute": 50}
